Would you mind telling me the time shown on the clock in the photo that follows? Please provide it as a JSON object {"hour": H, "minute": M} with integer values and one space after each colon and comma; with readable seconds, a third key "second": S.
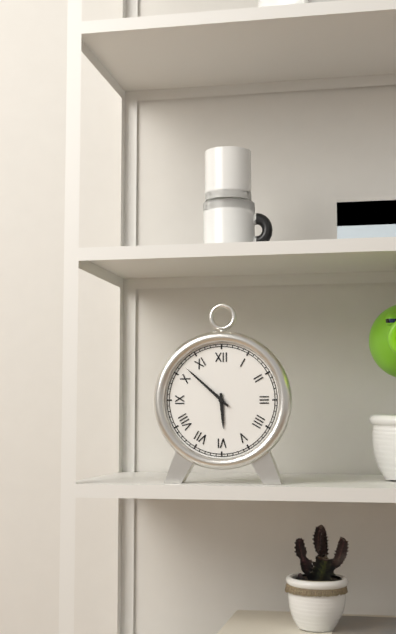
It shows {"hour": 5, "minute": 52}
